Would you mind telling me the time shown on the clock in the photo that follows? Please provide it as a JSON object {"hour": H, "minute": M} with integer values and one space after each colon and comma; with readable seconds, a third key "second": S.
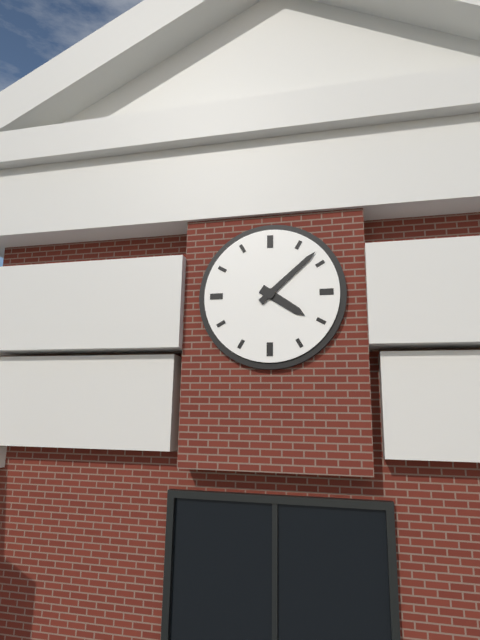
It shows {"hour": 4, "minute": 8}
